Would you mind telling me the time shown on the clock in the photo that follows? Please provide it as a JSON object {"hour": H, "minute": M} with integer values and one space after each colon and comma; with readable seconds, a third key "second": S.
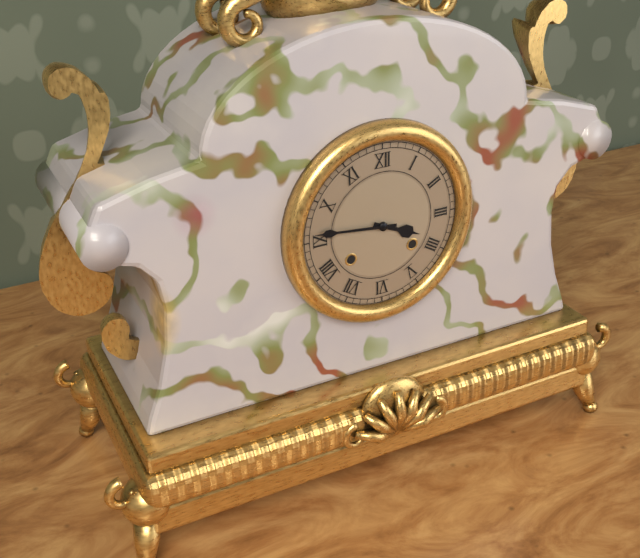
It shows {"hour": 3, "minute": 46}
